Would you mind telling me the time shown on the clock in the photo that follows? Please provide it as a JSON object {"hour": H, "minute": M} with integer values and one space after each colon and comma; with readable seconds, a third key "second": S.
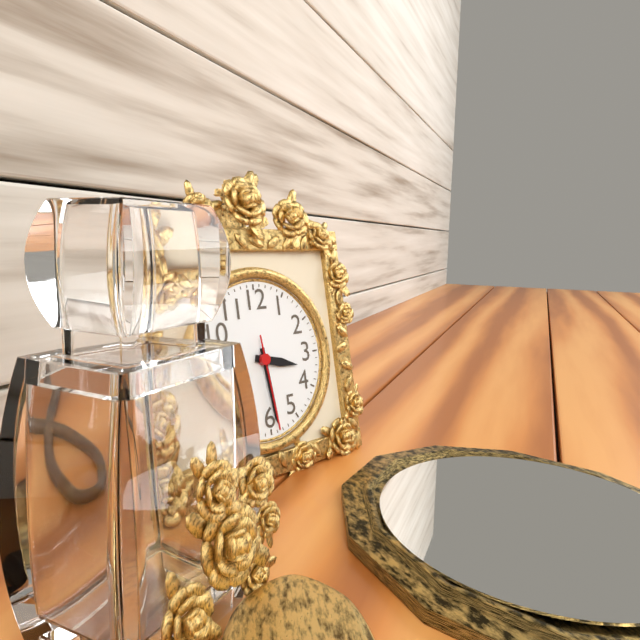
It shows {"hour": 3, "minute": 29, "second": 29}
